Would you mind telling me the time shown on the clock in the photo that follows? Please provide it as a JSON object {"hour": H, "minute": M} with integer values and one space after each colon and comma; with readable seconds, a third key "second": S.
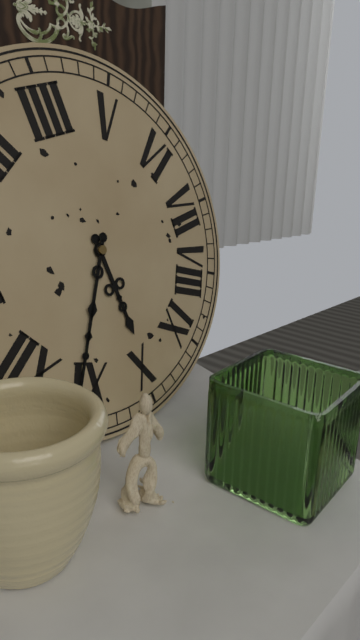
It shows {"hour": 9, "minute": 56}
